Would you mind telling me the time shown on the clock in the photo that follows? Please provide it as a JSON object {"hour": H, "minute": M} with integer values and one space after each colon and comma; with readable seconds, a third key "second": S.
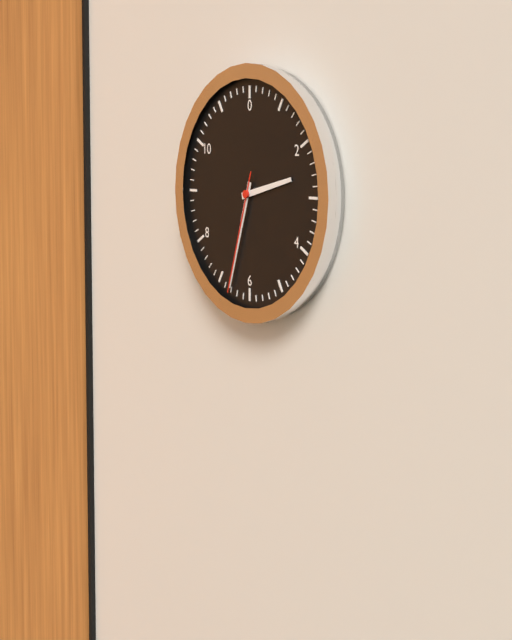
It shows {"hour": 2, "minute": 33, "second": 33}
